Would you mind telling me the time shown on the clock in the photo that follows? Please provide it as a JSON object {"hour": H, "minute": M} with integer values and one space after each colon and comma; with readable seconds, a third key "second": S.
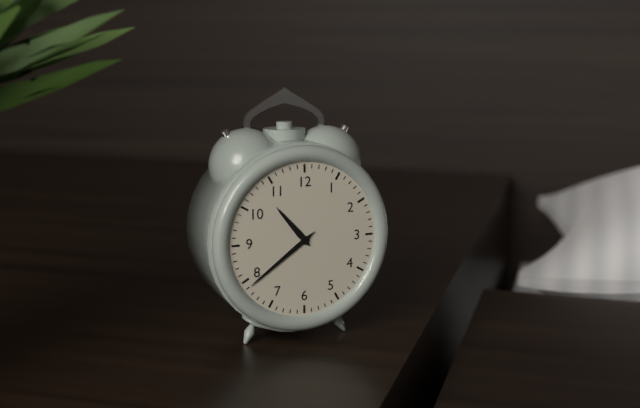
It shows {"hour": 10, "minute": 39}
